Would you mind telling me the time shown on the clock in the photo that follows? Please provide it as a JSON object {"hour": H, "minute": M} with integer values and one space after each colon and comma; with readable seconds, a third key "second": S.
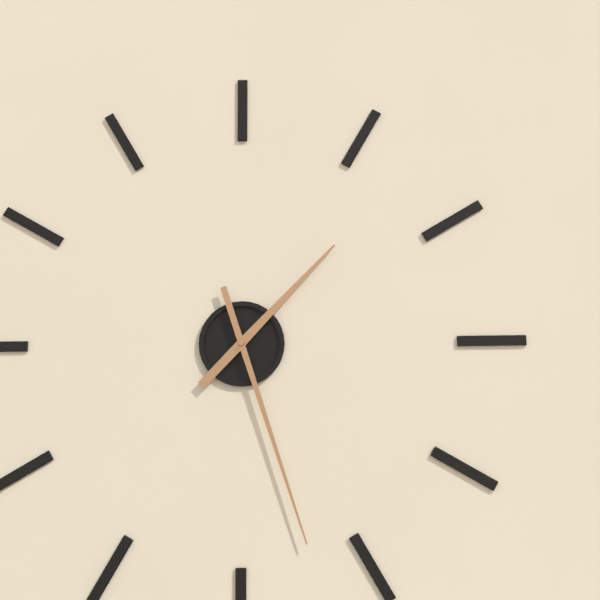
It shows {"hour": 1, "minute": 27}
